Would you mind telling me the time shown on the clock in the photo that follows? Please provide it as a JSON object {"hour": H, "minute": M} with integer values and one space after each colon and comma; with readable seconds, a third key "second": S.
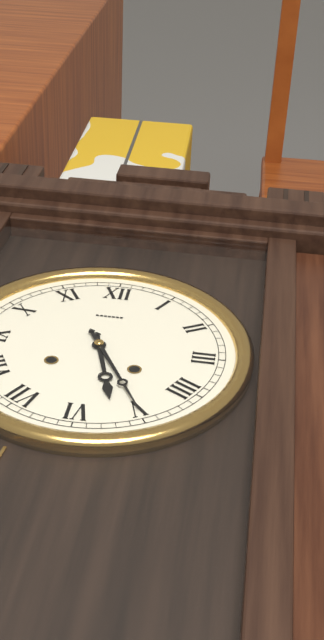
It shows {"hour": 5, "minute": 25}
